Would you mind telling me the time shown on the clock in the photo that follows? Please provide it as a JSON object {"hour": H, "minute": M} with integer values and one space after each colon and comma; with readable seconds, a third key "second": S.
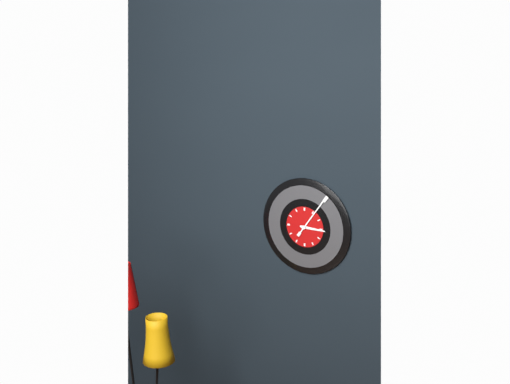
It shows {"hour": 3, "minute": 6}
